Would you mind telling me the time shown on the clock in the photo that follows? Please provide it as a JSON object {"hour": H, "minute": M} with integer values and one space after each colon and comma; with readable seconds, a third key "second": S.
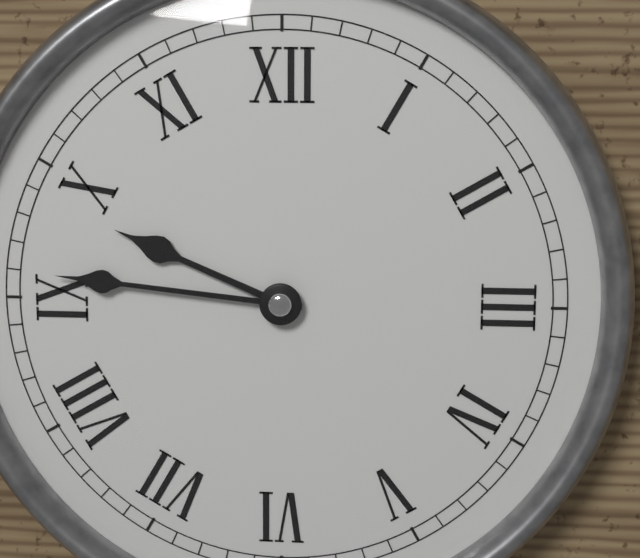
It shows {"hour": 9, "minute": 46}
